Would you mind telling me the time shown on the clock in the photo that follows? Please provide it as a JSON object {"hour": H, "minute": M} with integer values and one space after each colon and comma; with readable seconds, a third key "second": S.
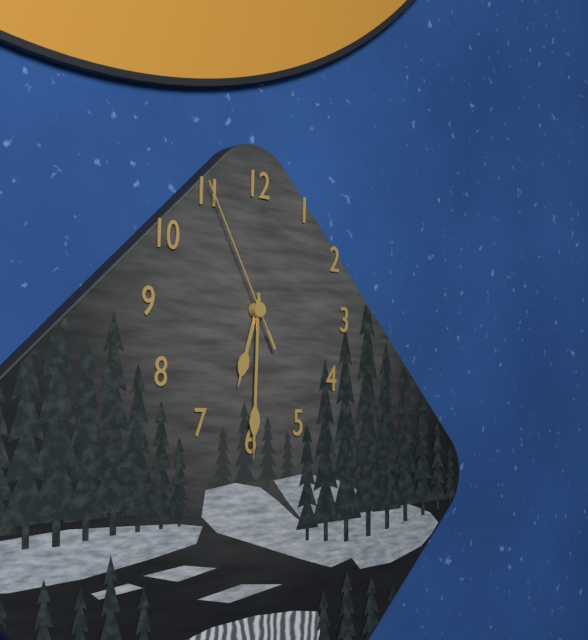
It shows {"hour": 6, "minute": 30, "second": 55}
